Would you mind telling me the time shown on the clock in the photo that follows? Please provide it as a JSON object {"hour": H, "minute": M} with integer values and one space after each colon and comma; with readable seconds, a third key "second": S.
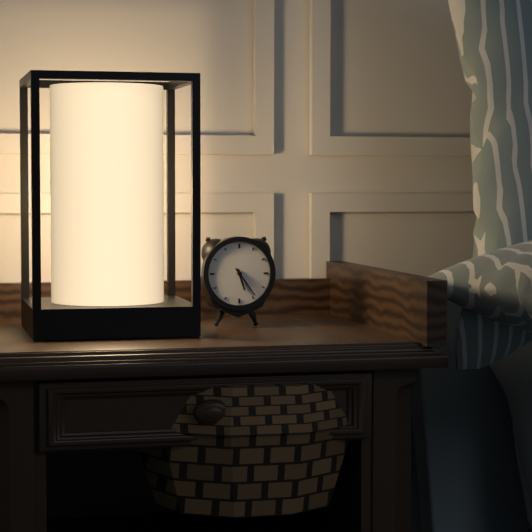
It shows {"hour": 5, "minute": 24}
